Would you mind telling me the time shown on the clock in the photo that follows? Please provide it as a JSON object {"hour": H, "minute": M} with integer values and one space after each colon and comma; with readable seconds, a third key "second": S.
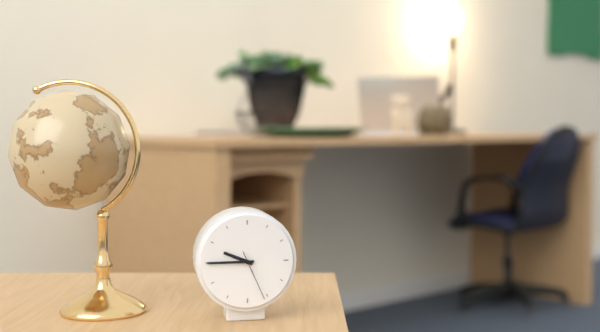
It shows {"hour": 9, "minute": 45, "second": 26}
